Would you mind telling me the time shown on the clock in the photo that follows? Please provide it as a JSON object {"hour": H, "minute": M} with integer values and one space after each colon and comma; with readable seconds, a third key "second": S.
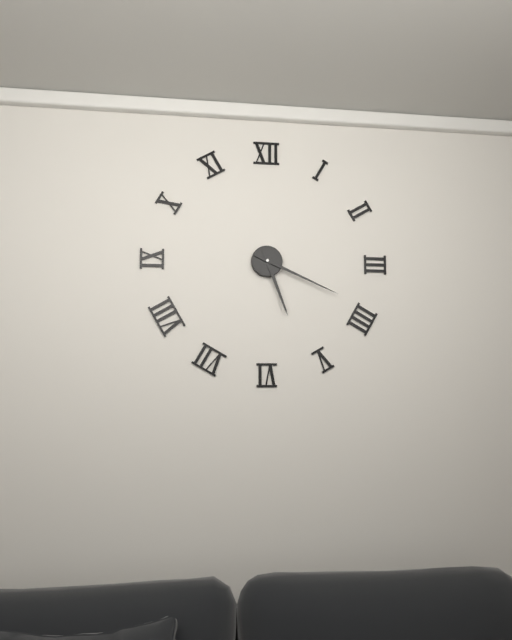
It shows {"hour": 5, "minute": 19}
